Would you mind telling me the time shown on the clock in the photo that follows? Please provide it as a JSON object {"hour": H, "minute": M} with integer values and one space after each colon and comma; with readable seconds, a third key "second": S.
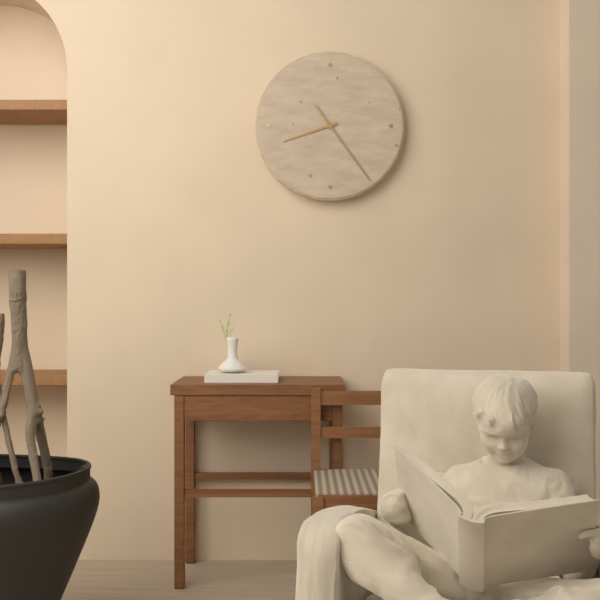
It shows {"hour": 8, "minute": 24}
